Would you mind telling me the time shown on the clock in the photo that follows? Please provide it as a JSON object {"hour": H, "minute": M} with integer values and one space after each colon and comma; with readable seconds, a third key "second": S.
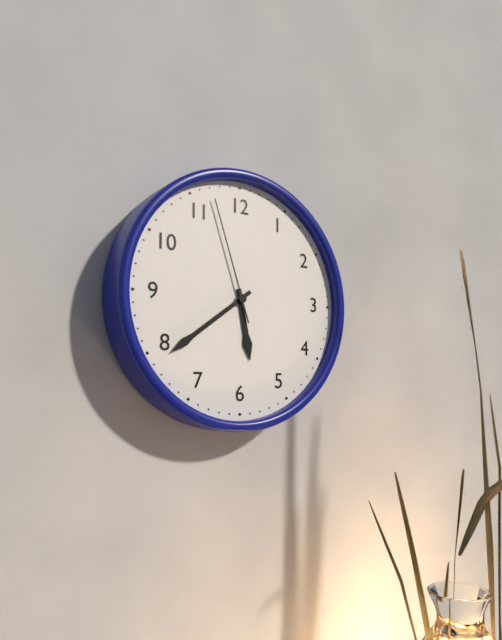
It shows {"hour": 5, "minute": 39, "second": 57}
